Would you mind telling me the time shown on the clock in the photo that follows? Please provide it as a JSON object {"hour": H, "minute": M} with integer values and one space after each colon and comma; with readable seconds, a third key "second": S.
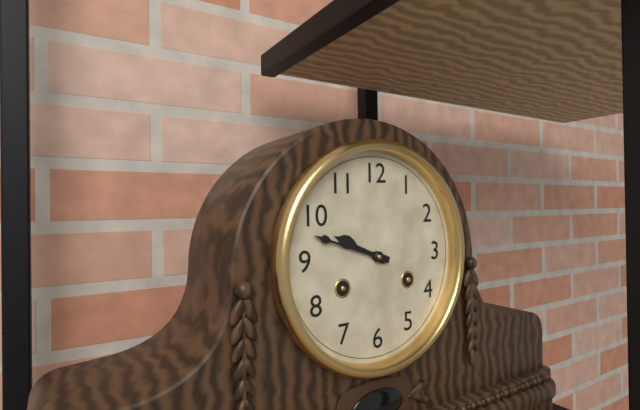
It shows {"hour": 9, "minute": 48}
